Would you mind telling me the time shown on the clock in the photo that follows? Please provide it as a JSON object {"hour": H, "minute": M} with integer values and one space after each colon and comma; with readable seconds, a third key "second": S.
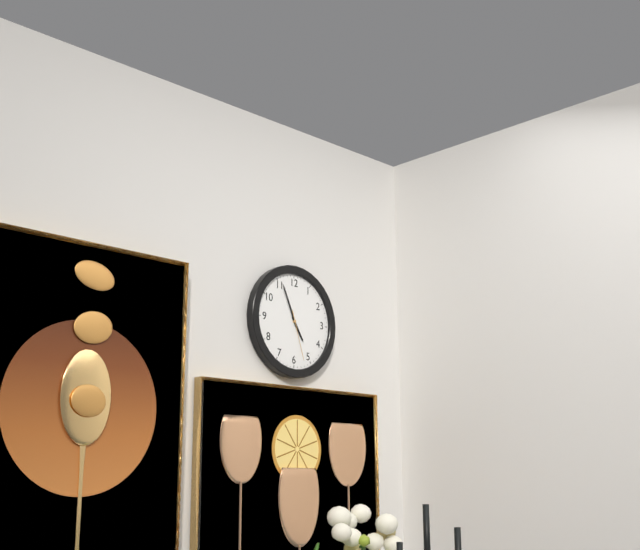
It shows {"hour": 4, "minute": 56, "second": 27}
